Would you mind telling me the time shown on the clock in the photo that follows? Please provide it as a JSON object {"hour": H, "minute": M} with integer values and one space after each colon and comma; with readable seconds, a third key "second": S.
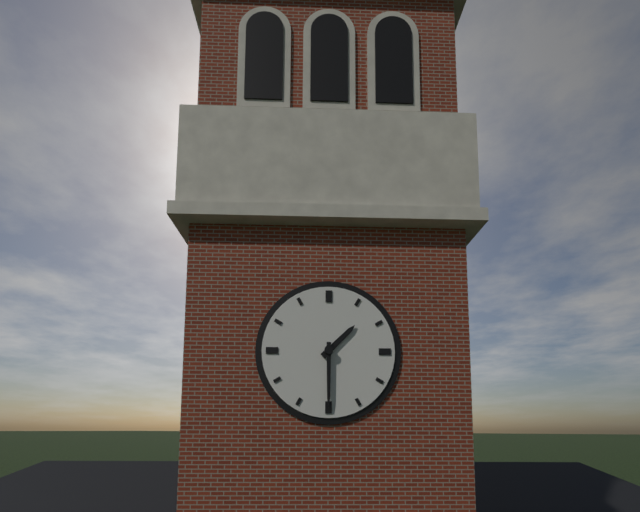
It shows {"hour": 1, "minute": 30}
